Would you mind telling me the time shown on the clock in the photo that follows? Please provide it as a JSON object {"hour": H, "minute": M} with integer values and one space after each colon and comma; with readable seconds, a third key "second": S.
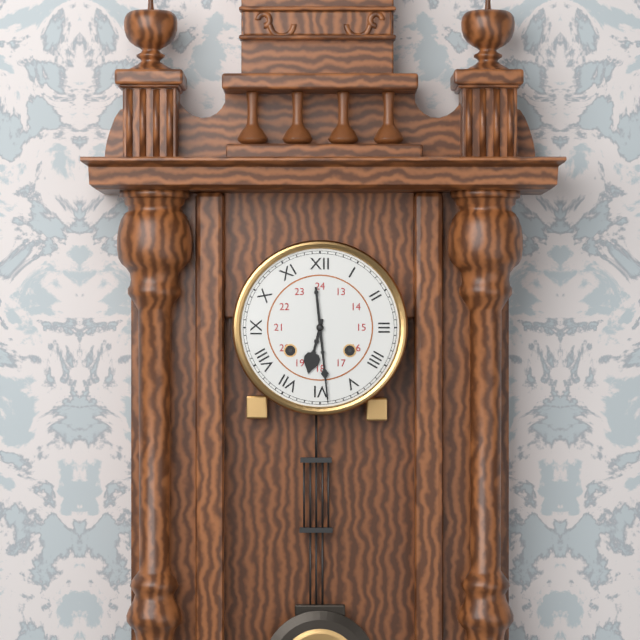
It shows {"hour": 6, "minute": 29}
